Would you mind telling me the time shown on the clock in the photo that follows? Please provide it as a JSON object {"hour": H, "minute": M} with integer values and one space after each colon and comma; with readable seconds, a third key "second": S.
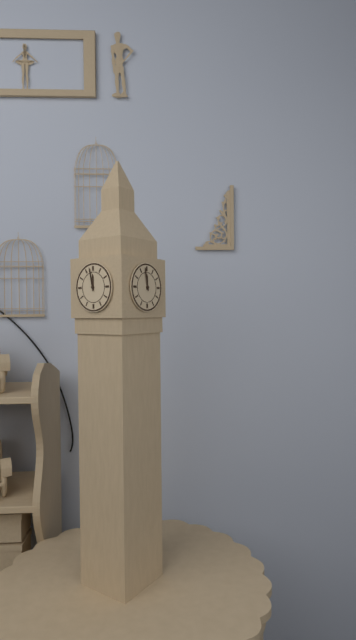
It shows {"hour": 11, "minute": 58}
